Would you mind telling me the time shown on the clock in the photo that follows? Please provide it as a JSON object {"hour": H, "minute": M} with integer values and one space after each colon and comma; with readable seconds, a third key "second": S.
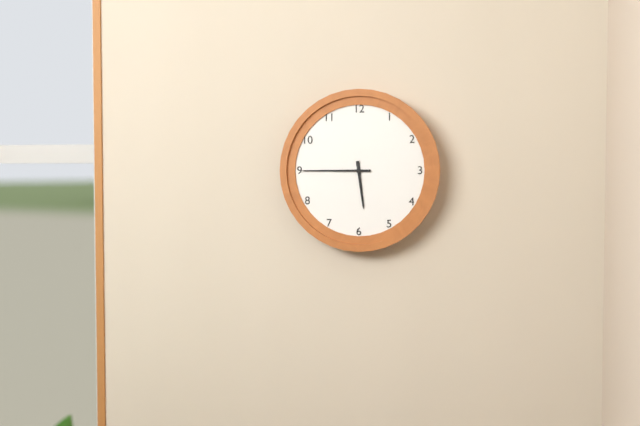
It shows {"hour": 5, "minute": 45}
